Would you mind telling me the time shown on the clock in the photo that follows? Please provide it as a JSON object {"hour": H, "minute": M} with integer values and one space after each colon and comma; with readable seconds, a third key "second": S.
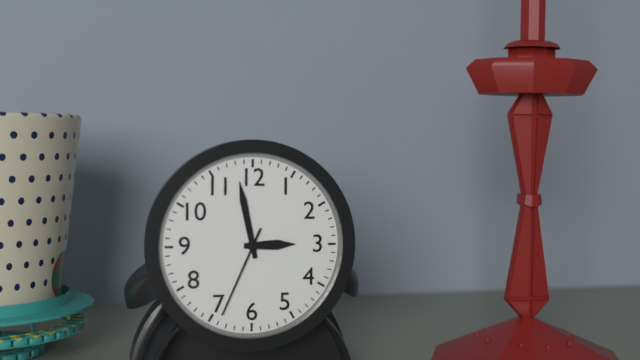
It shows {"hour": 2, "minute": 58, "second": 34}
